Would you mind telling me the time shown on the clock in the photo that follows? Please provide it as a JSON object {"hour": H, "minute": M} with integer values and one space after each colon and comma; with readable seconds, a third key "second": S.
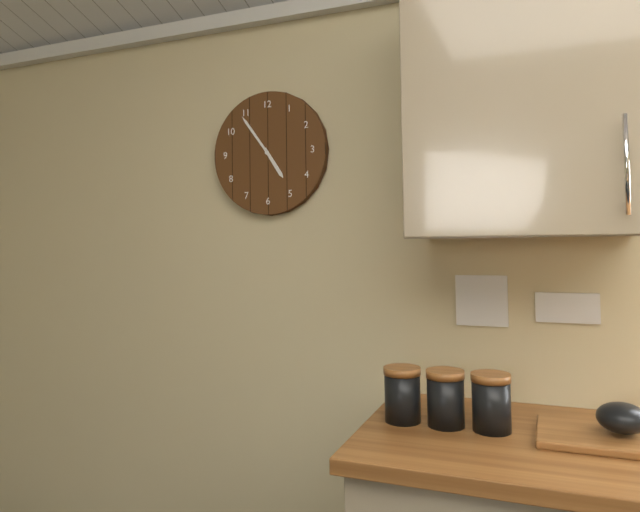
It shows {"hour": 4, "minute": 54}
